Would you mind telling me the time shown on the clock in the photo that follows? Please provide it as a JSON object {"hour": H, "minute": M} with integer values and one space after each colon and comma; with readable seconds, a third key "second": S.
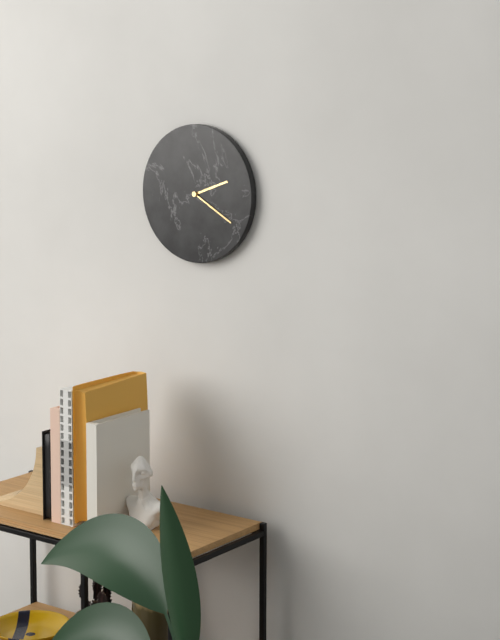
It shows {"hour": 2, "minute": 20}
